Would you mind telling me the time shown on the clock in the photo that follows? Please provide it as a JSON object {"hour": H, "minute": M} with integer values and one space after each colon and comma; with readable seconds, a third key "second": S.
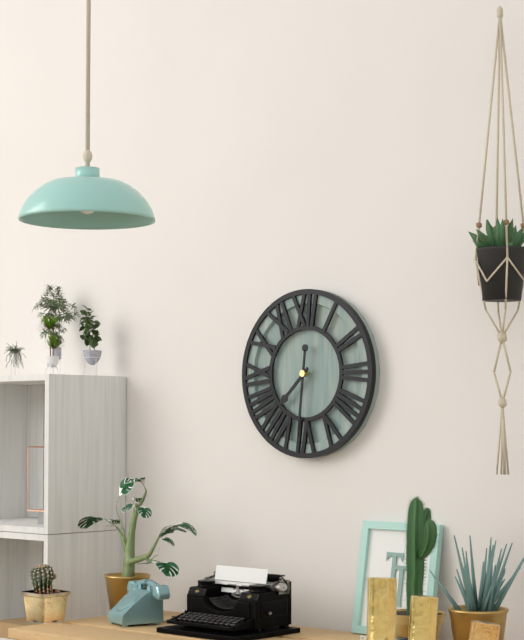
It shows {"hour": 7, "minute": 31}
